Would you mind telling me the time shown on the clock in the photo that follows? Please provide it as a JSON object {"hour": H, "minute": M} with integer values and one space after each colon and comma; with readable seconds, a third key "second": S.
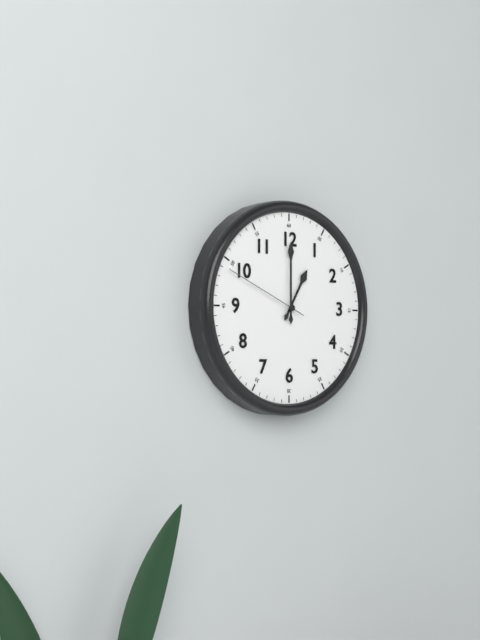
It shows {"hour": 1, "minute": 0, "second": 49}
